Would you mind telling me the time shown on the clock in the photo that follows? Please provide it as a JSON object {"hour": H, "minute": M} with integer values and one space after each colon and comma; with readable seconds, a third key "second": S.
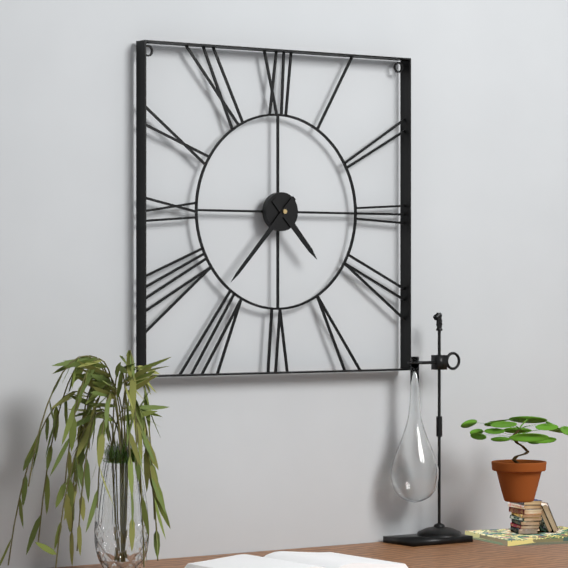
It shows {"hour": 4, "minute": 37}
